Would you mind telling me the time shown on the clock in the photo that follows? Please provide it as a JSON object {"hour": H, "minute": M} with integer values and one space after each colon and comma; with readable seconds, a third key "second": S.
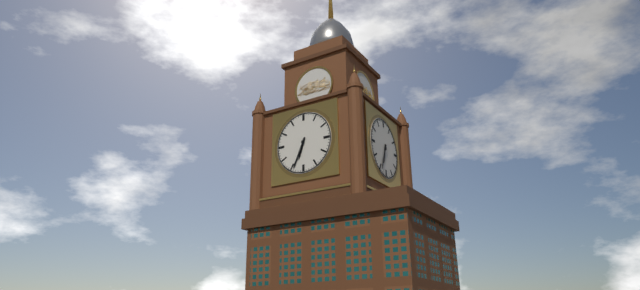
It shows {"hour": 6, "minute": 34}
